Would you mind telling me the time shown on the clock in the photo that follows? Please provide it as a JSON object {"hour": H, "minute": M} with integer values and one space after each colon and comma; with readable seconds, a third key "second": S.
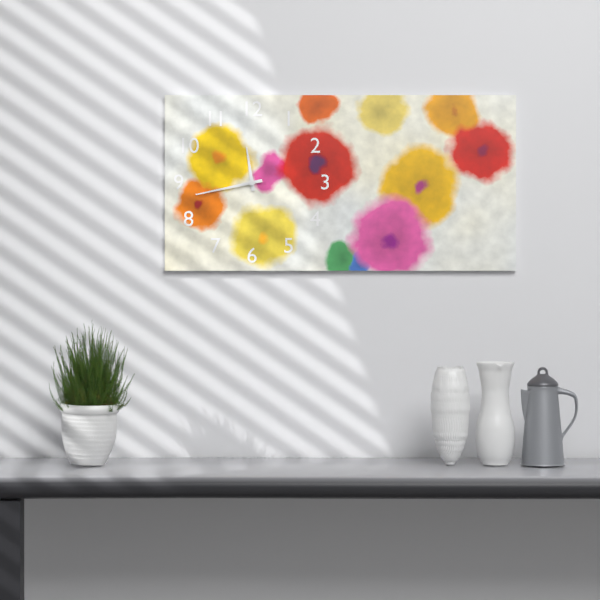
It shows {"hour": 11, "minute": 43}
